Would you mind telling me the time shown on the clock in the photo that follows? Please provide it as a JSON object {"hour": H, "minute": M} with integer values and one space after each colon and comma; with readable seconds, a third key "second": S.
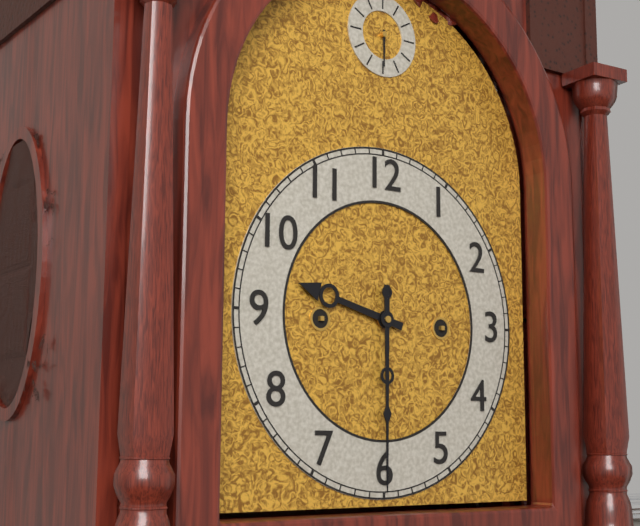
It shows {"hour": 9, "minute": 30}
